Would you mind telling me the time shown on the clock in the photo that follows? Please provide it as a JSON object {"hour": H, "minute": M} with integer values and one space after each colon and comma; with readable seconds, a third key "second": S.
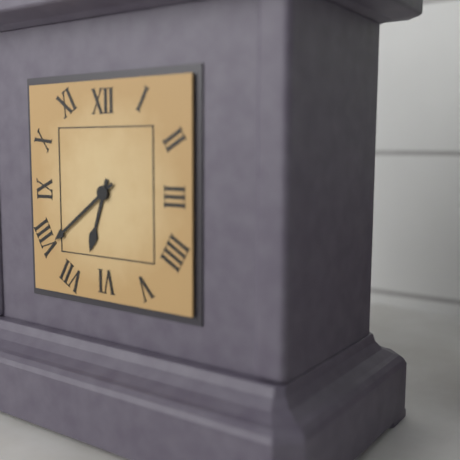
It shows {"hour": 6, "minute": 39}
